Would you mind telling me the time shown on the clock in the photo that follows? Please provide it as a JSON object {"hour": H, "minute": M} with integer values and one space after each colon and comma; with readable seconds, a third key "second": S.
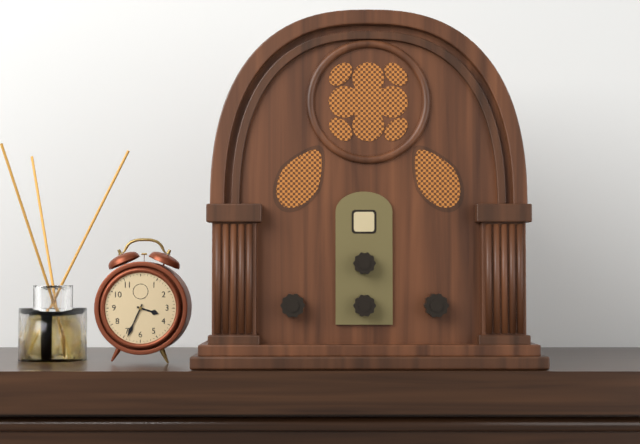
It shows {"hour": 3, "minute": 34}
